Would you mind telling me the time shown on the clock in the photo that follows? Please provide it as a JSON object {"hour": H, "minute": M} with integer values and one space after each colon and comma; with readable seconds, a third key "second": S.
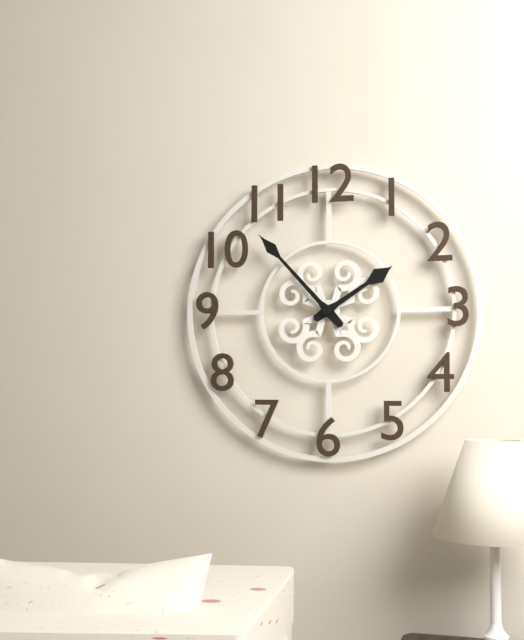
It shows {"hour": 1, "minute": 53}
